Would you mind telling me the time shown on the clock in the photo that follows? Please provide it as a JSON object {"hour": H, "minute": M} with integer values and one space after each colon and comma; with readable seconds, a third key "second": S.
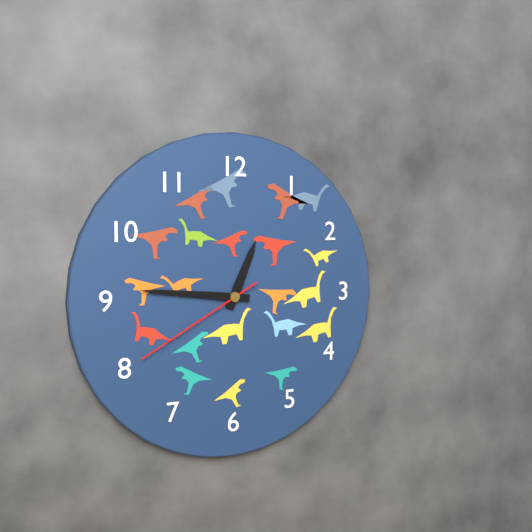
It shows {"hour": 12, "minute": 46, "second": 40}
